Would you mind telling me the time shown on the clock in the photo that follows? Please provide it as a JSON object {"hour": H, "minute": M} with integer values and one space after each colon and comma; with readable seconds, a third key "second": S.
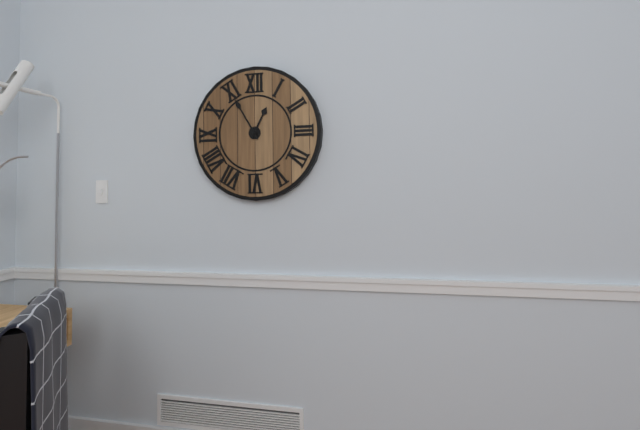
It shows {"hour": 12, "minute": 55}
